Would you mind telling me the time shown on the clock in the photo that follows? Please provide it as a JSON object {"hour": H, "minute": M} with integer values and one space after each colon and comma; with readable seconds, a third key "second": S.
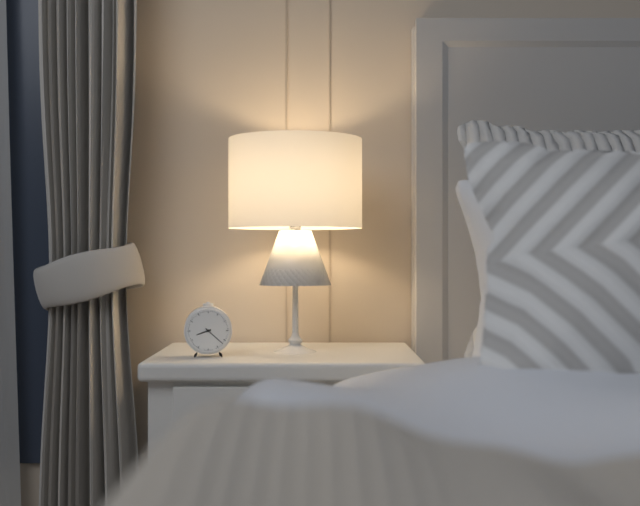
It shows {"hour": 8, "minute": 22}
